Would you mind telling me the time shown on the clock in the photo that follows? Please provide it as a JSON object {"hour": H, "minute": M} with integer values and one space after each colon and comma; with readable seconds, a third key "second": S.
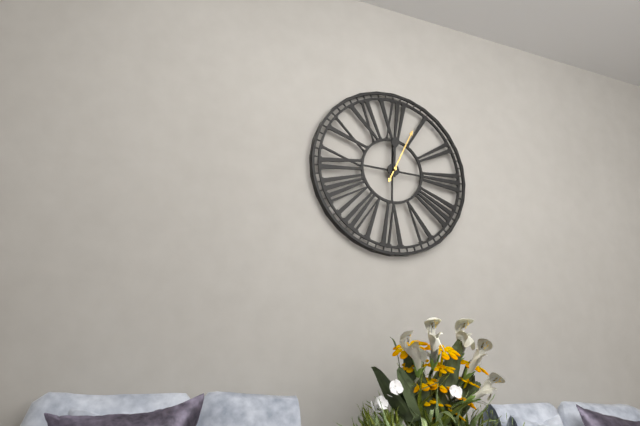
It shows {"hour": 12, "minute": 4}
